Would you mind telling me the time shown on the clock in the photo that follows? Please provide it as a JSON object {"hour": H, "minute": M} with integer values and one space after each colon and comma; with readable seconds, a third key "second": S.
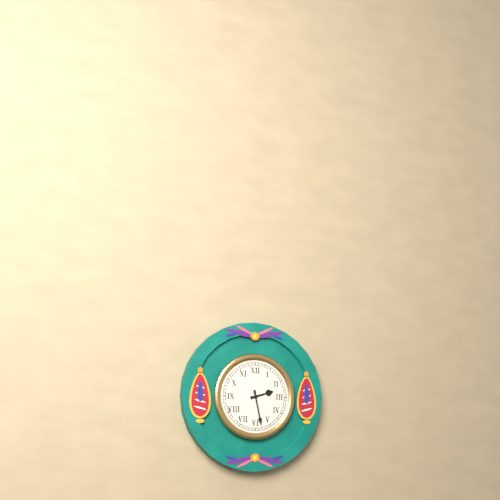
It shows {"hour": 2, "minute": 28}
